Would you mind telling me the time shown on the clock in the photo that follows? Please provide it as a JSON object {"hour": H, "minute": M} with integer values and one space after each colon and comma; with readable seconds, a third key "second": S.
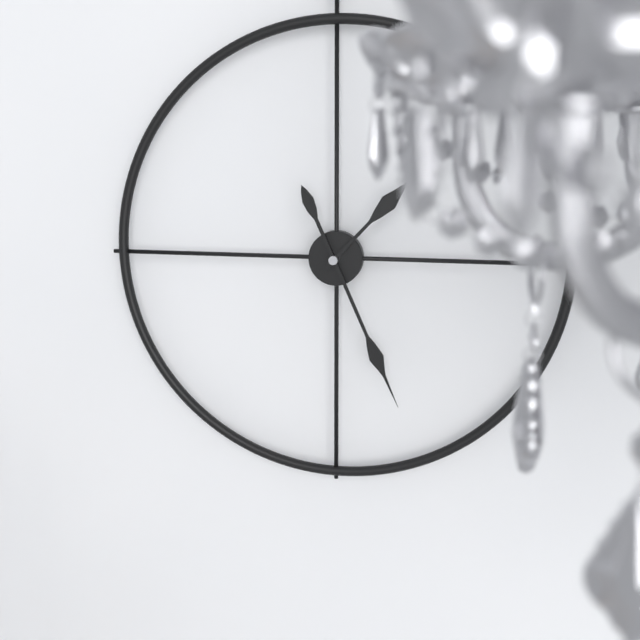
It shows {"hour": 1, "minute": 26}
